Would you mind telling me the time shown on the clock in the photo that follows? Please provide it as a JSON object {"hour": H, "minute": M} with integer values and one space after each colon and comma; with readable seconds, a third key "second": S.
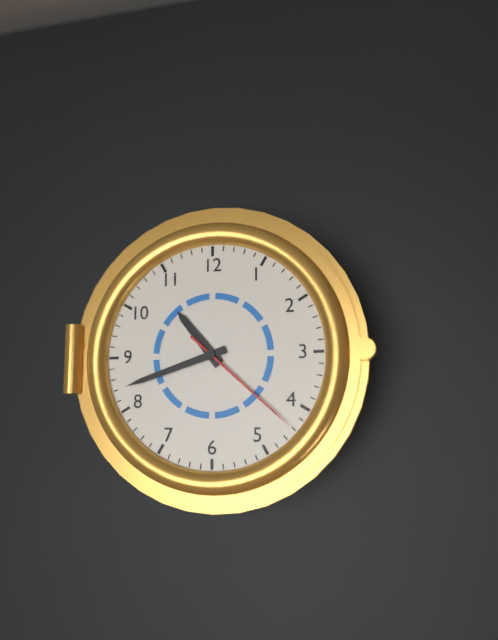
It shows {"hour": 10, "minute": 42, "second": 22}
